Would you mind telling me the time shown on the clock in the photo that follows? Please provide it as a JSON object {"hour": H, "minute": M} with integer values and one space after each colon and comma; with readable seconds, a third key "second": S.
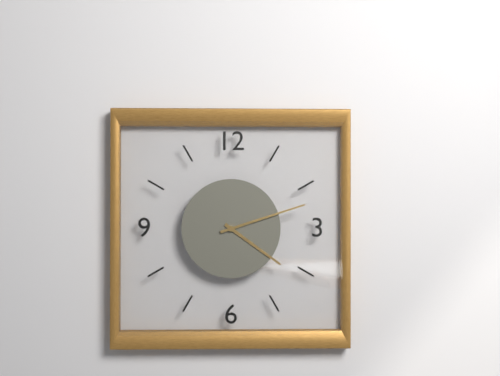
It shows {"hour": 4, "minute": 12}
